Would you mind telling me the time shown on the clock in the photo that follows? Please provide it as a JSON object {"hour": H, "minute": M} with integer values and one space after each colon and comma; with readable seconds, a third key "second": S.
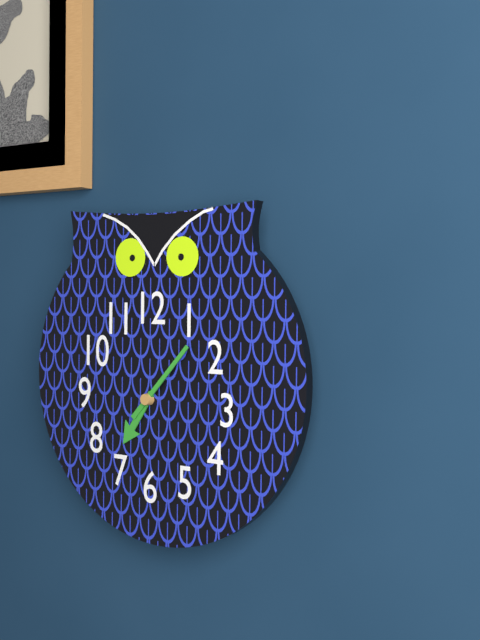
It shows {"hour": 7, "minute": 7}
